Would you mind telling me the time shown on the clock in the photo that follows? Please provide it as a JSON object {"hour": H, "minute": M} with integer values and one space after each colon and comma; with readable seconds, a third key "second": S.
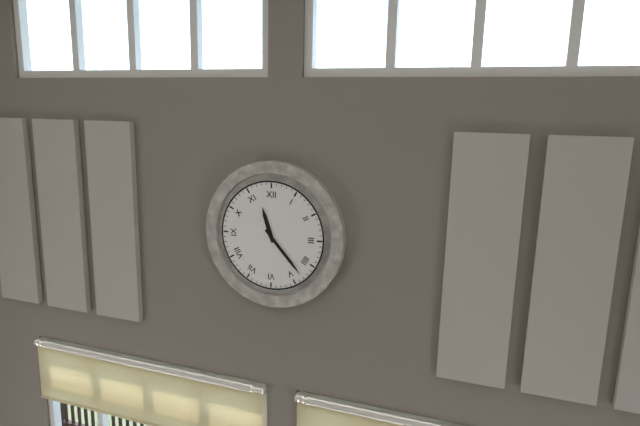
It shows {"hour": 11, "minute": 23}
